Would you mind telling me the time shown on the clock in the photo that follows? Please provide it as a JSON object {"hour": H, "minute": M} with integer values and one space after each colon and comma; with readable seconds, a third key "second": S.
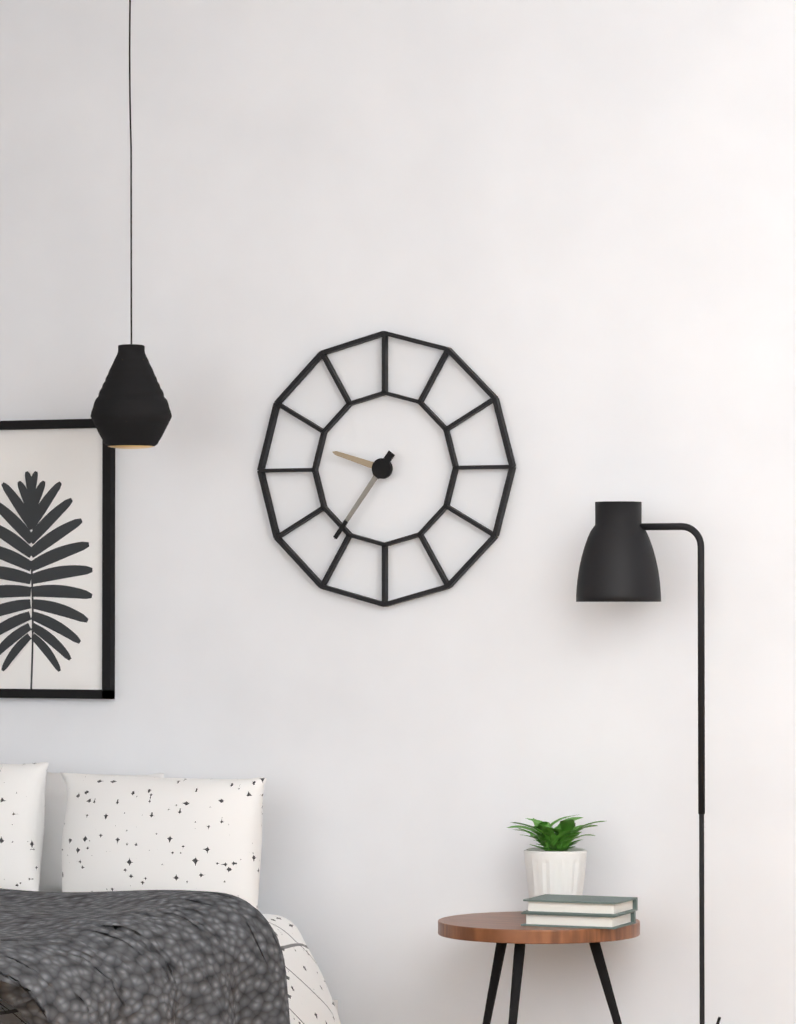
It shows {"hour": 9, "minute": 36}
